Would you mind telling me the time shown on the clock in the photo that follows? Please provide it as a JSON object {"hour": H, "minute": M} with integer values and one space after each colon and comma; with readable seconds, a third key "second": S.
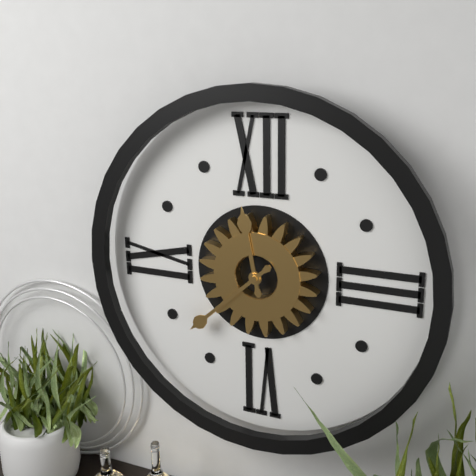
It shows {"hour": 11, "minute": 38}
